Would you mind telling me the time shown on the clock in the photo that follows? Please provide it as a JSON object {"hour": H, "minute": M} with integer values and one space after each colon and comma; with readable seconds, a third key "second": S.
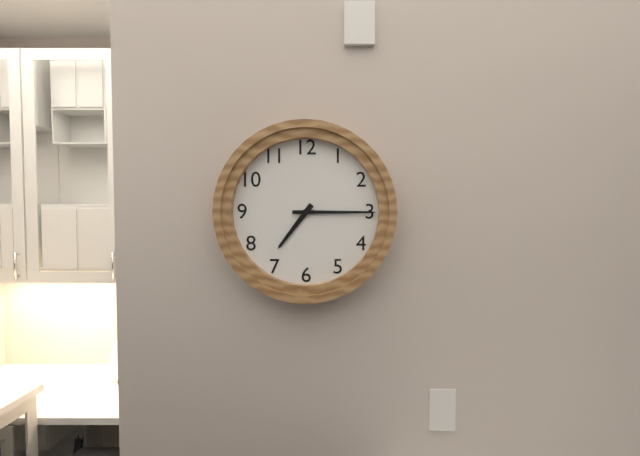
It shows {"hour": 7, "minute": 15}
